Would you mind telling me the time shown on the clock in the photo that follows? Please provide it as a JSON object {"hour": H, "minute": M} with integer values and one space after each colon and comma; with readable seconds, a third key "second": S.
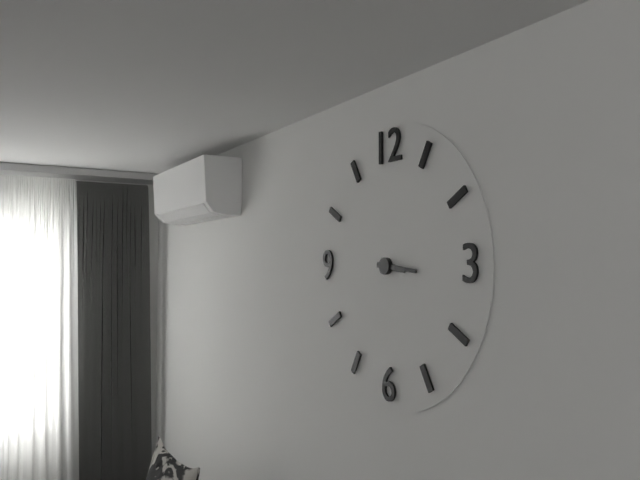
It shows {"hour": 3, "minute": 16}
